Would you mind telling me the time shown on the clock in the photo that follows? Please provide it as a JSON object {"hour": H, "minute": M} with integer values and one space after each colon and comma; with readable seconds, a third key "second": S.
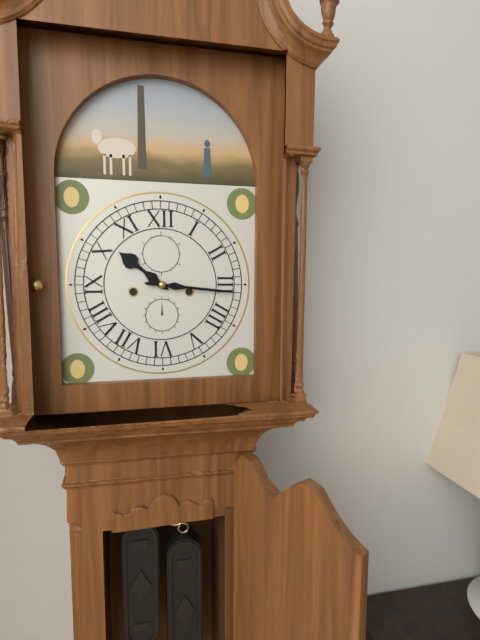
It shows {"hour": 10, "minute": 16}
